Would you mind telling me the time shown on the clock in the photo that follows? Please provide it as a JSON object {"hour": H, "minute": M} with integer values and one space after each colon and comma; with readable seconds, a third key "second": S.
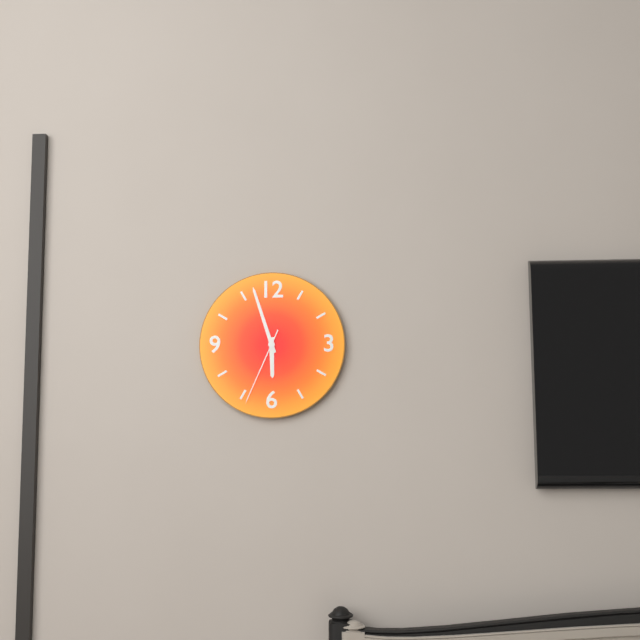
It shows {"hour": 5, "minute": 57, "second": 34}
